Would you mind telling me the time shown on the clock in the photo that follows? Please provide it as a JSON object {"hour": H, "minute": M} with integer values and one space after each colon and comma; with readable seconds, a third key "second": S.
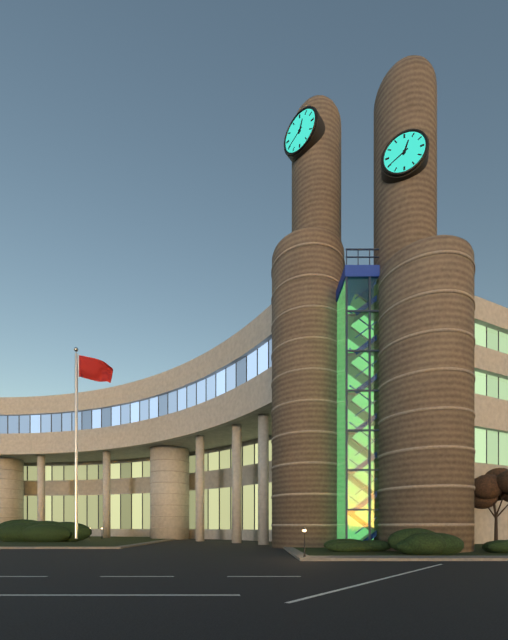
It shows {"hour": 12, "minute": 40}
